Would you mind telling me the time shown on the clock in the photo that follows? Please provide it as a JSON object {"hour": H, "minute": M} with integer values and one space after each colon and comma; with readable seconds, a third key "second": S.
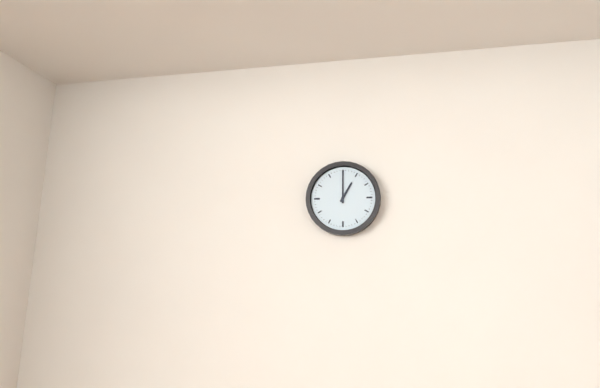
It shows {"hour": 1, "minute": 0}
